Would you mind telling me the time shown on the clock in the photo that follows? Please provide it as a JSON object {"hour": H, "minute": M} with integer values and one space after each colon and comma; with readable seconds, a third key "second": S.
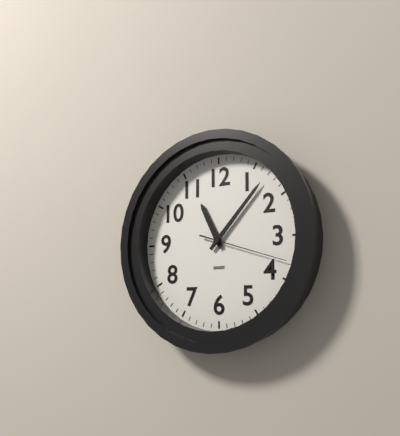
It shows {"hour": 11, "minute": 7, "second": 18}
